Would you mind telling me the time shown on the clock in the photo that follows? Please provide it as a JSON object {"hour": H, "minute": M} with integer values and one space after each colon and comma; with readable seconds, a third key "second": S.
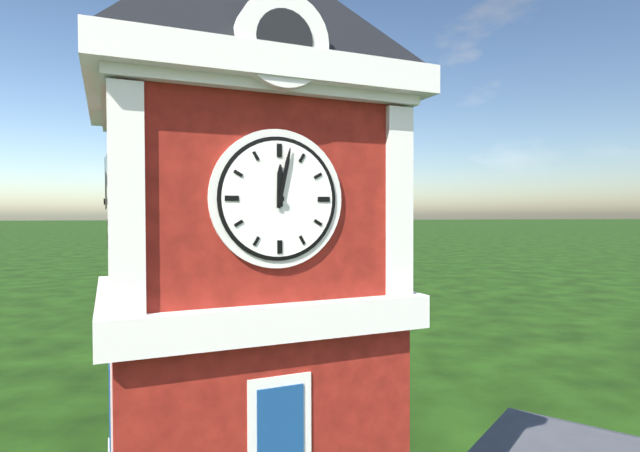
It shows {"hour": 12, "minute": 2}
